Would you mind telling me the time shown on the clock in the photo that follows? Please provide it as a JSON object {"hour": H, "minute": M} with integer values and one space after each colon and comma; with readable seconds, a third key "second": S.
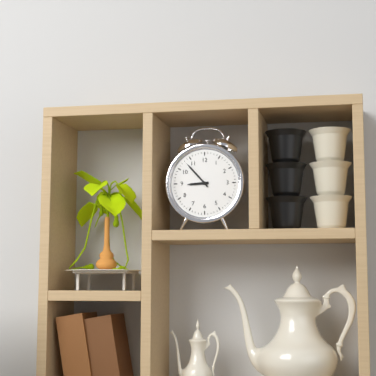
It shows {"hour": 8, "minute": 53}
